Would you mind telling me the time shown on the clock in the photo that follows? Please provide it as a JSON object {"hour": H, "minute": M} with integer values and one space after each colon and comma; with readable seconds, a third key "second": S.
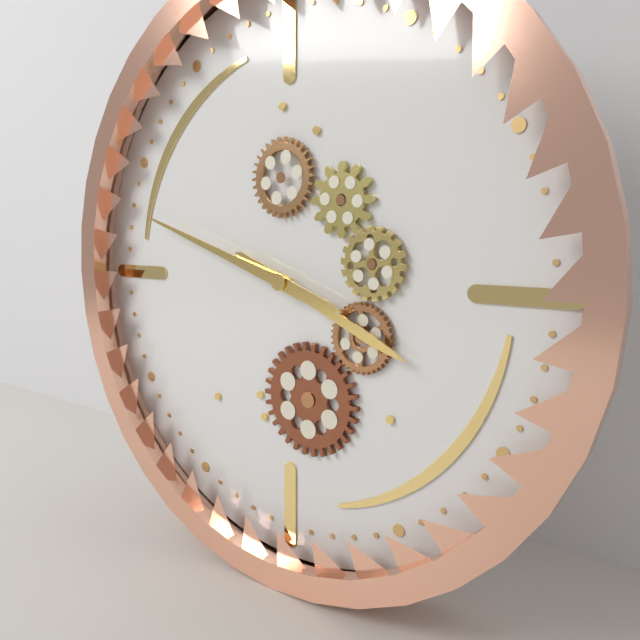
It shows {"hour": 3, "minute": 48}
